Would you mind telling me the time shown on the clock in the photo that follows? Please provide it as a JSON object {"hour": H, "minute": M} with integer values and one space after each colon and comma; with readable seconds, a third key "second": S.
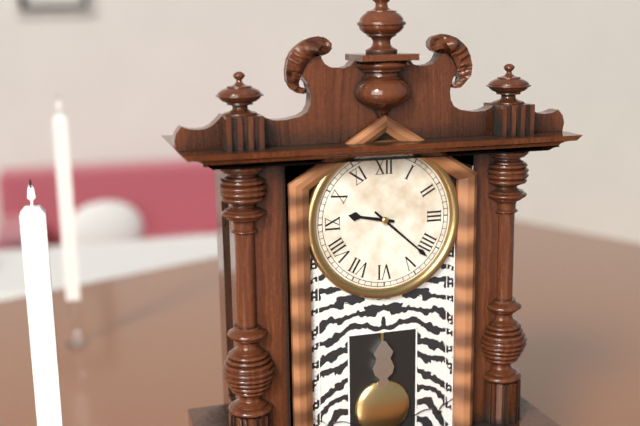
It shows {"hour": 9, "minute": 22}
